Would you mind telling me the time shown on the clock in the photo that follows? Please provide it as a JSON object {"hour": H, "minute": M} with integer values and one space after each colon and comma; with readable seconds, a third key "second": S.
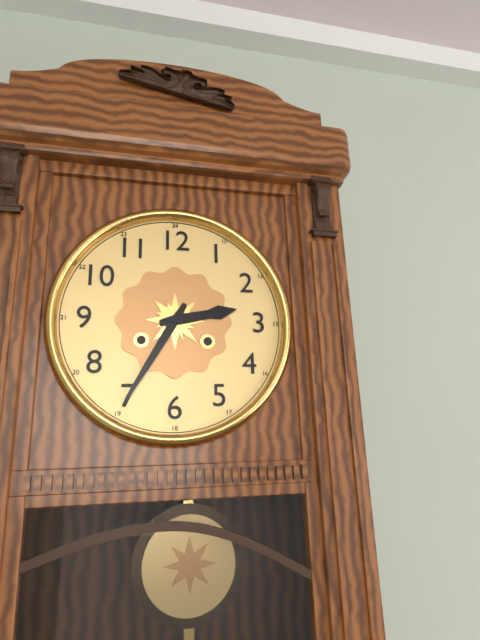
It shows {"hour": 2, "minute": 35}
